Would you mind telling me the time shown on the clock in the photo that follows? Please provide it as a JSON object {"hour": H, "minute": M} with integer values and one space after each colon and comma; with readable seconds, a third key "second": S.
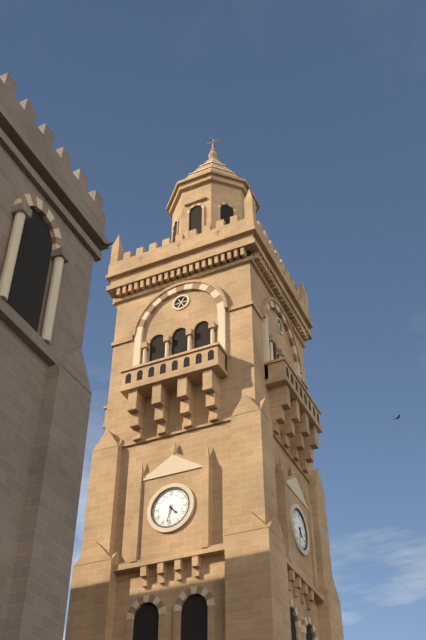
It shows {"hour": 4, "minute": 32}
